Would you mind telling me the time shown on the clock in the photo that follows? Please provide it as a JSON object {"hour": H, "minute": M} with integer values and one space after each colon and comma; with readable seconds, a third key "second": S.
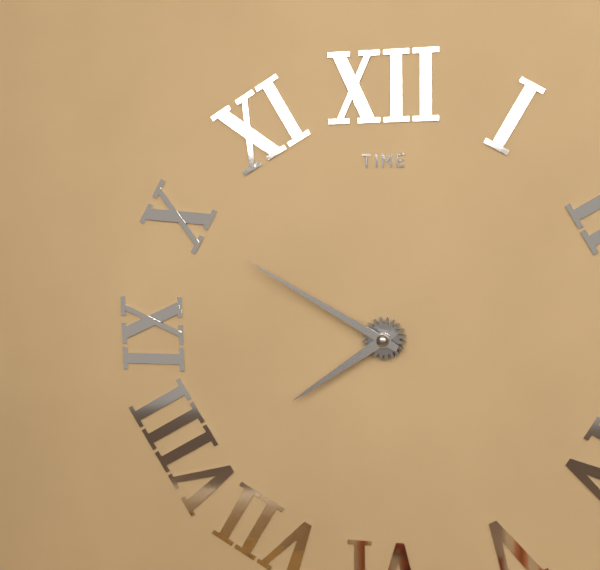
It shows {"hour": 7, "minute": 50}
